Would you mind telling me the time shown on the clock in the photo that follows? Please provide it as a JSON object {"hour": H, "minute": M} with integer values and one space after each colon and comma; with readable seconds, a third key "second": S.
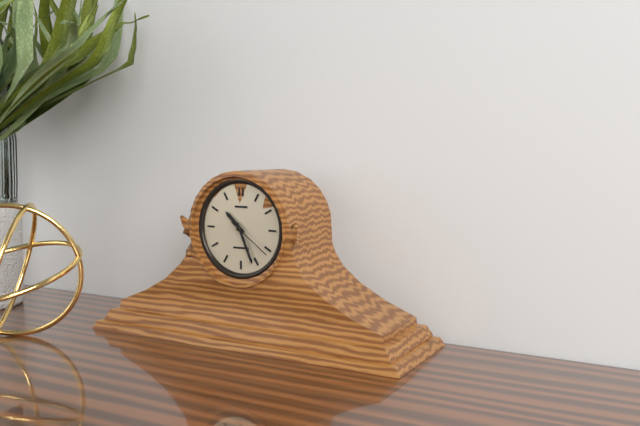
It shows {"hour": 10, "minute": 26}
